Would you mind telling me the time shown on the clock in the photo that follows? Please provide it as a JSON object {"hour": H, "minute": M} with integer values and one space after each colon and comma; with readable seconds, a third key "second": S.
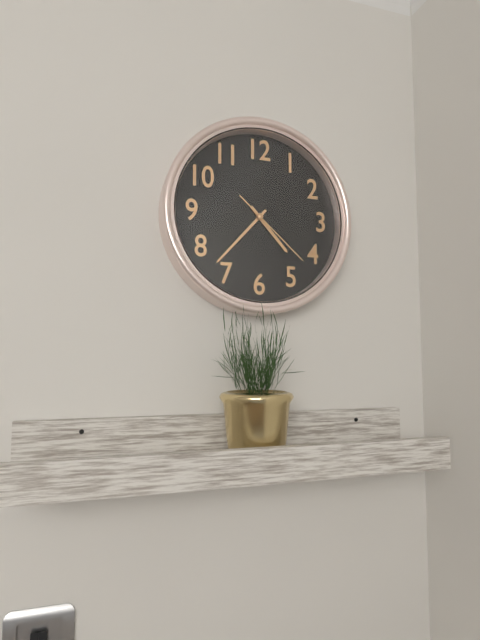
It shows {"hour": 4, "minute": 37, "second": 22}
